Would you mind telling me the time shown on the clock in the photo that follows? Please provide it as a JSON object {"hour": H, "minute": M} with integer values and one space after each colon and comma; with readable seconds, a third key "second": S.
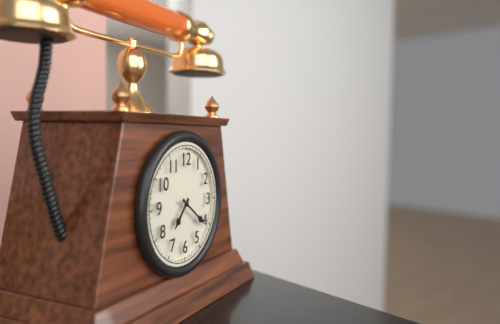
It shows {"hour": 7, "minute": 21}
